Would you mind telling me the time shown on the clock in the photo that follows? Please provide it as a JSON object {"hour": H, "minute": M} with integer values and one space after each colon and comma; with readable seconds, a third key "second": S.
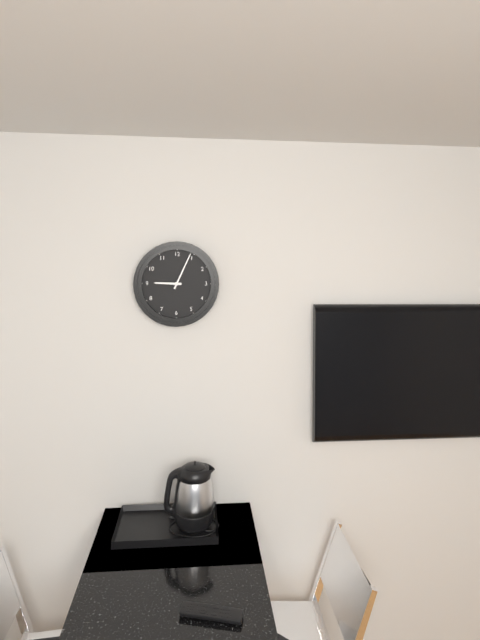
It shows {"hour": 9, "minute": 4}
